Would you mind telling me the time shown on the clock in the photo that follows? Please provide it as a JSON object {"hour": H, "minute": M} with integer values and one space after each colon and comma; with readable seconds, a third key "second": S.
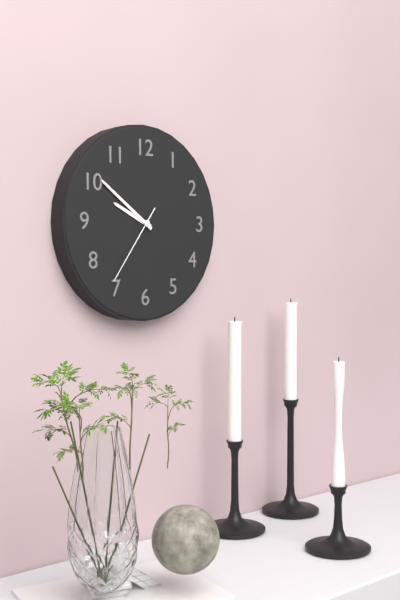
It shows {"hour": 9, "minute": 51, "second": 36}
